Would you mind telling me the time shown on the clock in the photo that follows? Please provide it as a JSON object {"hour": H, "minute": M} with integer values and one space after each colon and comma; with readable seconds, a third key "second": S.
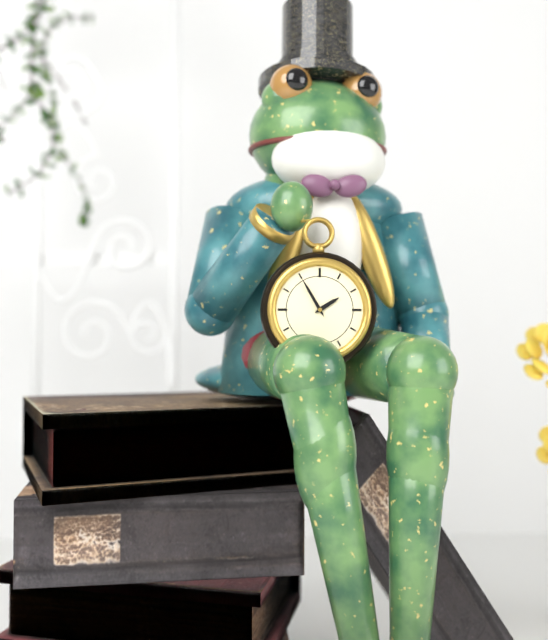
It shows {"hour": 1, "minute": 55}
